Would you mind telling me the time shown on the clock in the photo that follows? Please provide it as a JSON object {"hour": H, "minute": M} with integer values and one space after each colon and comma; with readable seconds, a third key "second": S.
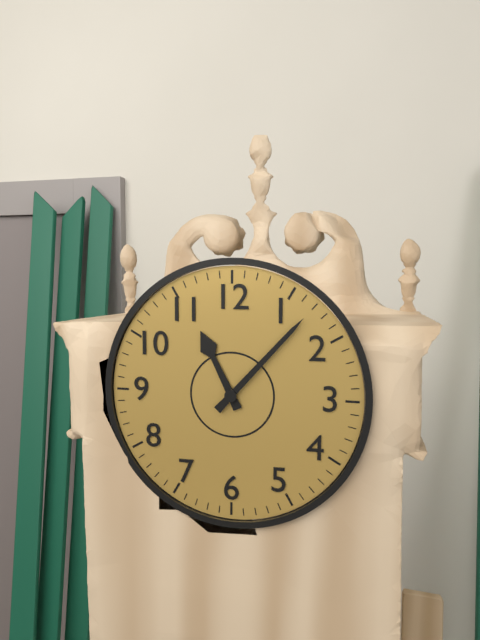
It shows {"hour": 11, "minute": 7}
